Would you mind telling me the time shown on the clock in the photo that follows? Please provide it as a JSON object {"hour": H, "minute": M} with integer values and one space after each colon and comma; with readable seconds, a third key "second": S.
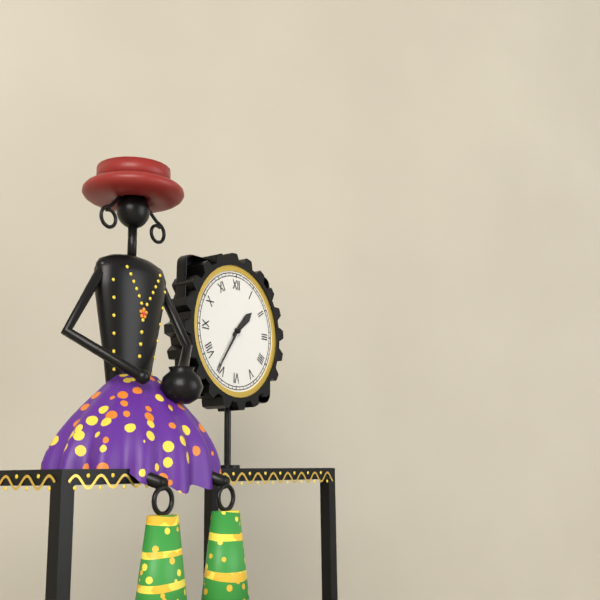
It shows {"hour": 1, "minute": 36}
